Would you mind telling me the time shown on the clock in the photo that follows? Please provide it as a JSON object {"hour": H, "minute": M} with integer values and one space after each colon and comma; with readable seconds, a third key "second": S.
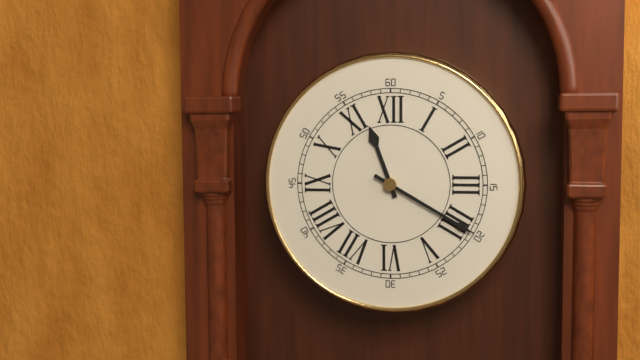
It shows {"hour": 11, "minute": 20}
